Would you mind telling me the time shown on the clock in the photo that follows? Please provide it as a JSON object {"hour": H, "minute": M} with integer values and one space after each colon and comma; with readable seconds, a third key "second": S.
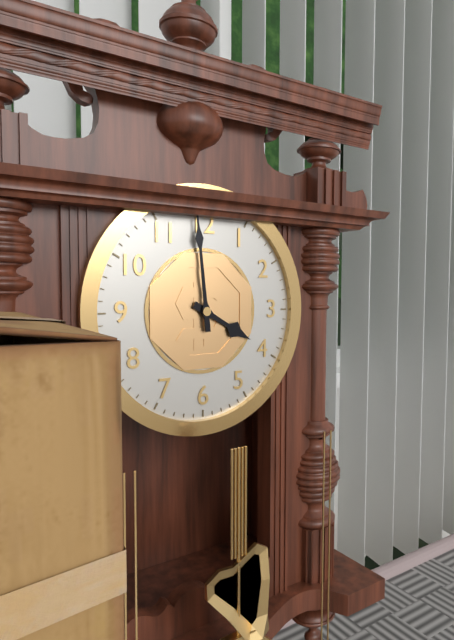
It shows {"hour": 3, "minute": 59}
